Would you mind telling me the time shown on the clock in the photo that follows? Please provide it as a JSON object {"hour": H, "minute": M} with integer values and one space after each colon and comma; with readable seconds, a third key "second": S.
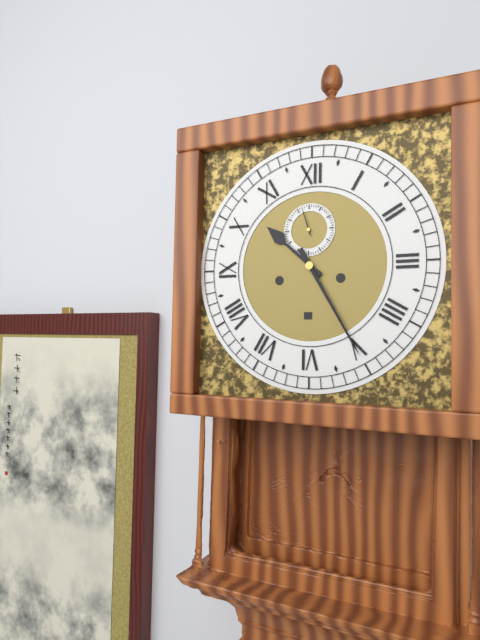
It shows {"hour": 10, "minute": 25}
